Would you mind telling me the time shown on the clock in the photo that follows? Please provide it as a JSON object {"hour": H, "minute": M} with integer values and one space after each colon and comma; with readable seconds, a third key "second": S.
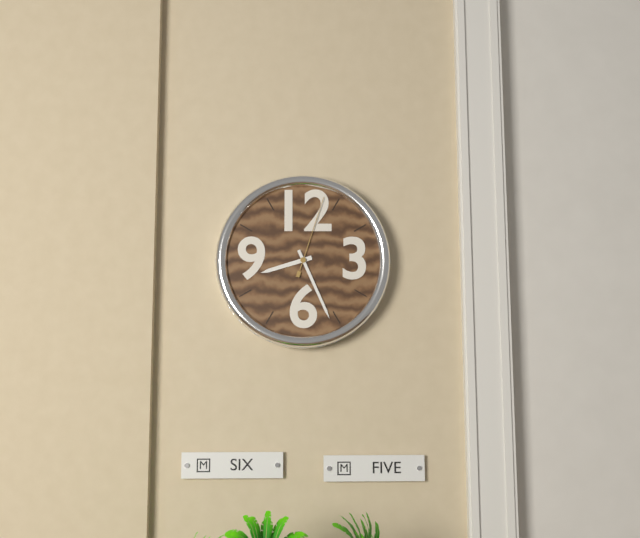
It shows {"hour": 8, "minute": 26, "second": 3}
